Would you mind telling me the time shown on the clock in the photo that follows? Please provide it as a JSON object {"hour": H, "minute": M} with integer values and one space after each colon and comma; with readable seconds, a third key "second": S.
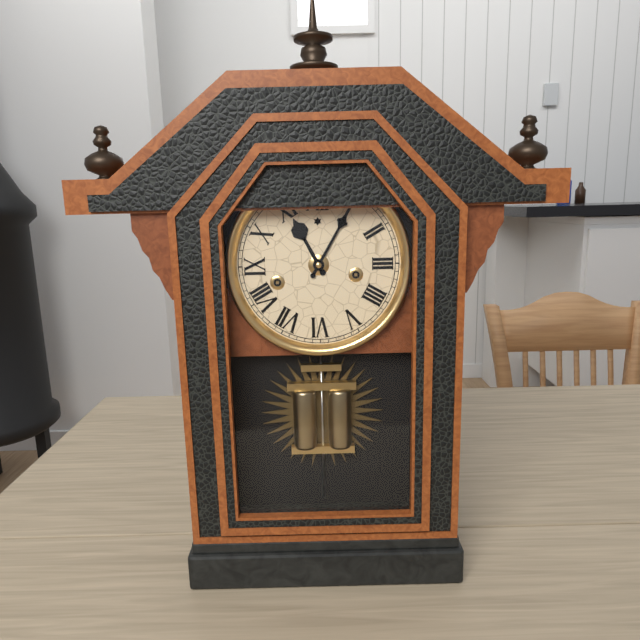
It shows {"hour": 11, "minute": 5}
